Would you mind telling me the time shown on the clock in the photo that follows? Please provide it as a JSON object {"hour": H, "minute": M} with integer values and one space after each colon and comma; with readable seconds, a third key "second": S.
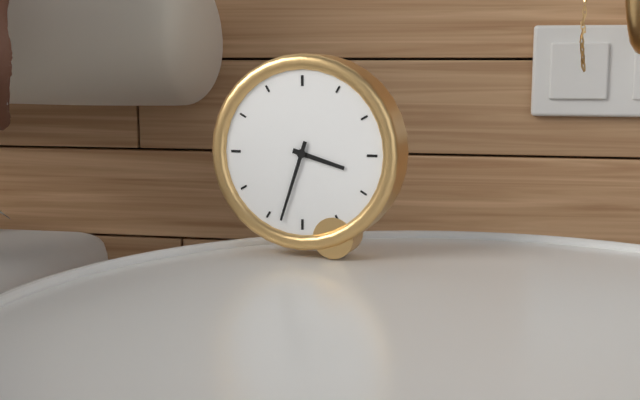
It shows {"hour": 3, "minute": 33}
